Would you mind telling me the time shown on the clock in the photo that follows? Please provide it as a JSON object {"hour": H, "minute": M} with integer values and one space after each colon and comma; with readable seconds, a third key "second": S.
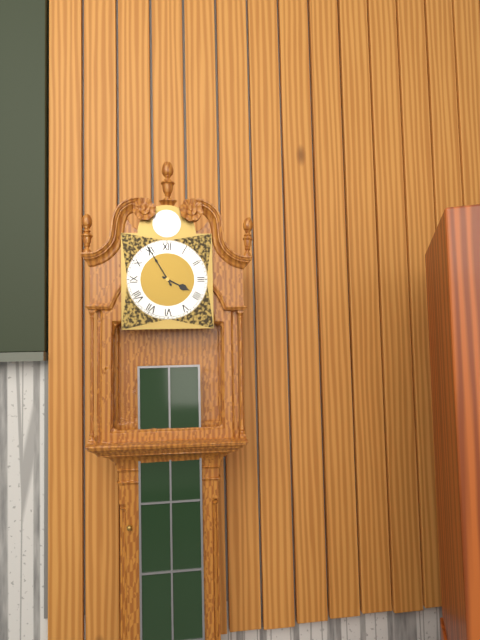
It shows {"hour": 3, "minute": 55}
